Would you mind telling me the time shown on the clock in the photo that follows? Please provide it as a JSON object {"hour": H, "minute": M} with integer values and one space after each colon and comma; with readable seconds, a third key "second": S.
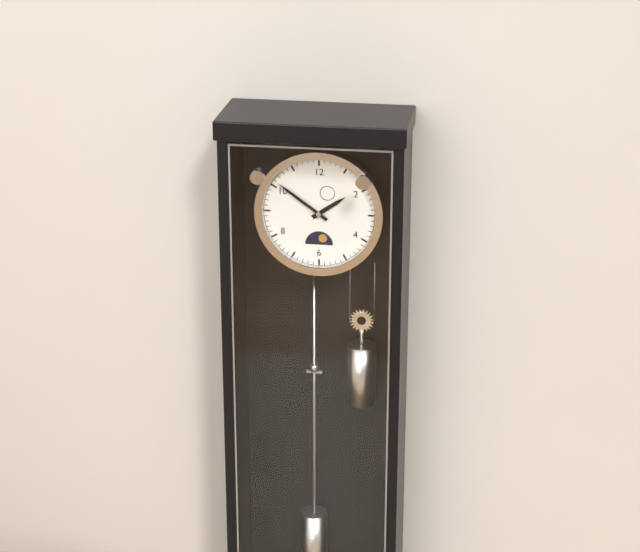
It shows {"hour": 1, "minute": 51}
